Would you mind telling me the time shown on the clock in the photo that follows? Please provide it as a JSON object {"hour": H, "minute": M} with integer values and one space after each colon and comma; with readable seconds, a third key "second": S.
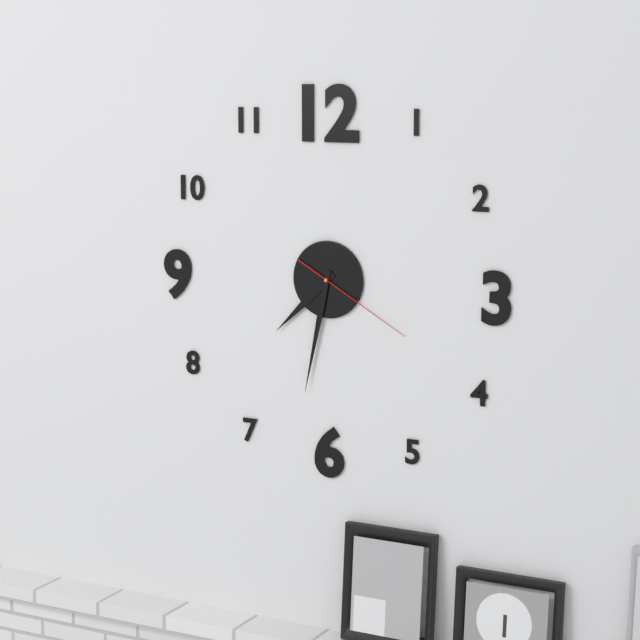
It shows {"hour": 7, "minute": 32, "second": 20}
